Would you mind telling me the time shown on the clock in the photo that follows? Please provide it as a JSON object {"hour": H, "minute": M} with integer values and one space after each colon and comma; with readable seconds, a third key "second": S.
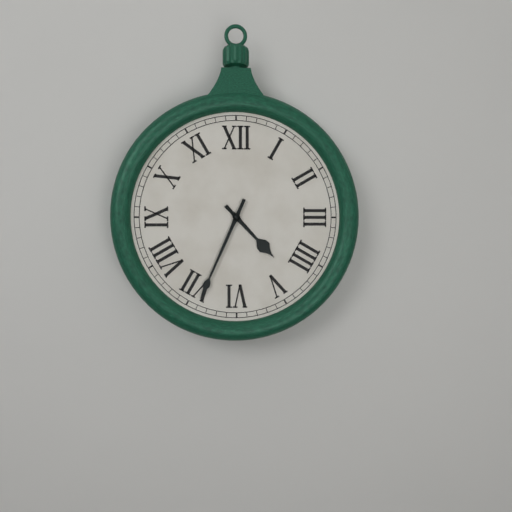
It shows {"hour": 4, "minute": 34}
